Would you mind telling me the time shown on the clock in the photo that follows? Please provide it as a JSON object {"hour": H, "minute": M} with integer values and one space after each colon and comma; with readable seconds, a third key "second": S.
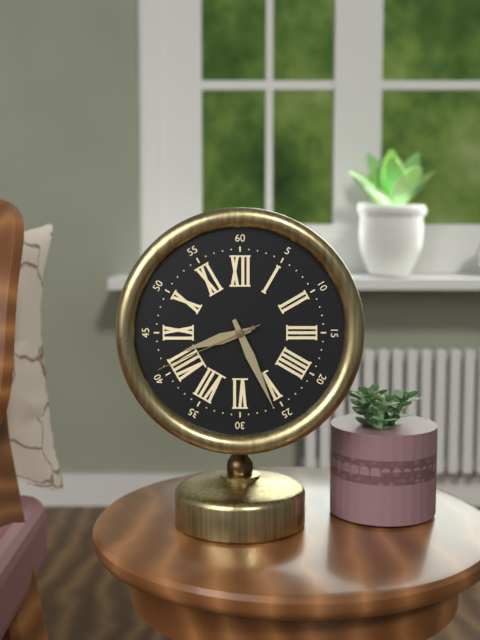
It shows {"hour": 8, "minute": 26, "second": 41}
